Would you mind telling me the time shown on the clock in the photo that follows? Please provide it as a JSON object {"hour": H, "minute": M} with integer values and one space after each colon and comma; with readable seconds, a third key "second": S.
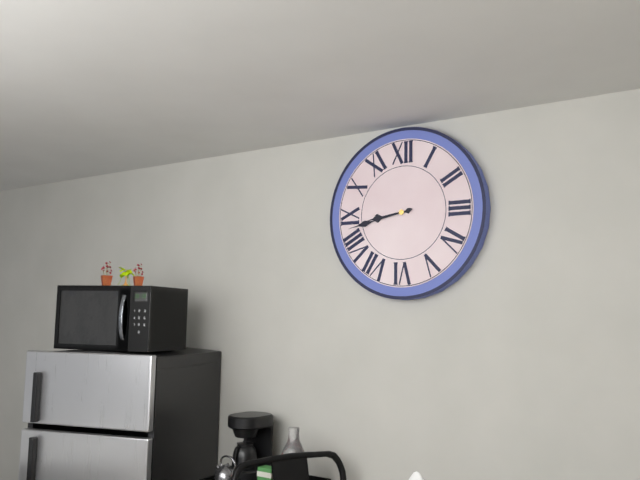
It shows {"hour": 8, "minute": 43}
